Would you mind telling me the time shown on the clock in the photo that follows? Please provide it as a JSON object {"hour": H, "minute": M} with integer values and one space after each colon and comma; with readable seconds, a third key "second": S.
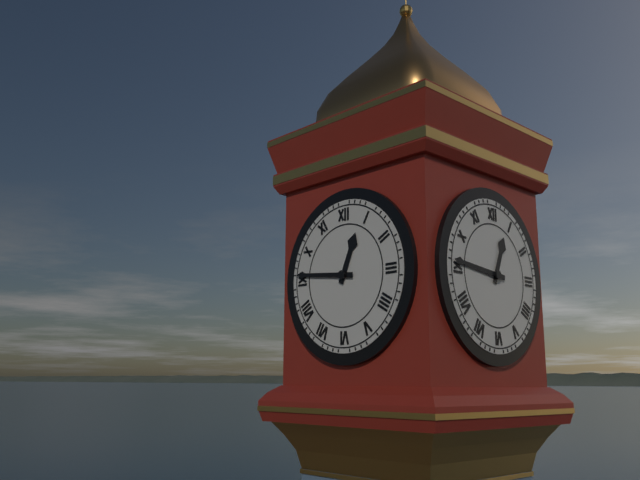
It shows {"hour": 12, "minute": 46}
